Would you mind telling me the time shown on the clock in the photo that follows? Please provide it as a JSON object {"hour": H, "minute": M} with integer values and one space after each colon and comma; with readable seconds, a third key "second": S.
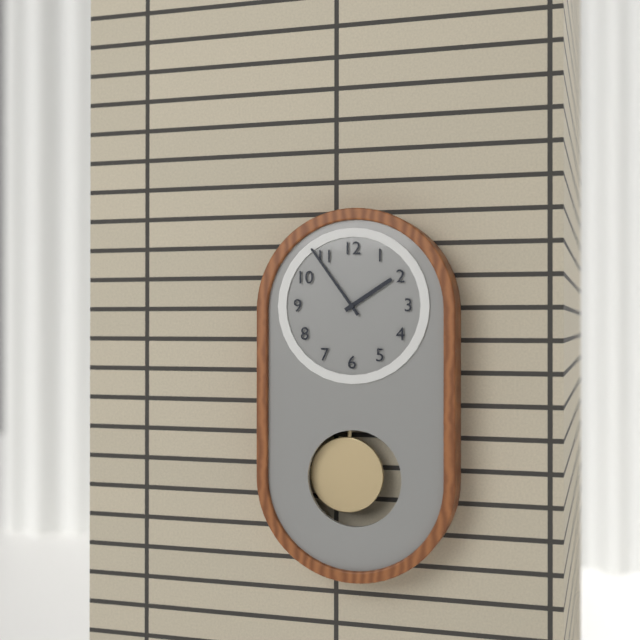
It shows {"hour": 1, "minute": 54}
